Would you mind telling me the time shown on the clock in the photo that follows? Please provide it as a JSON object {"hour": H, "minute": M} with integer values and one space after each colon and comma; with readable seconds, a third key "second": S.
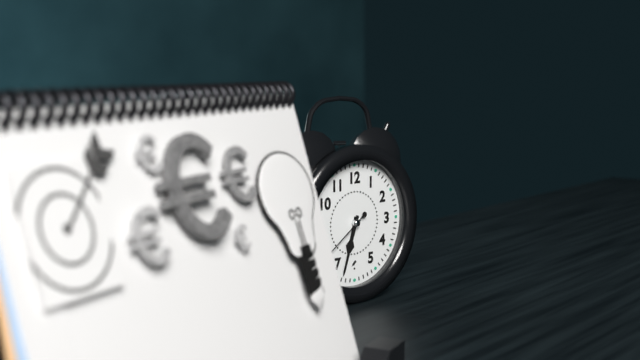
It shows {"hour": 6, "minute": 33}
